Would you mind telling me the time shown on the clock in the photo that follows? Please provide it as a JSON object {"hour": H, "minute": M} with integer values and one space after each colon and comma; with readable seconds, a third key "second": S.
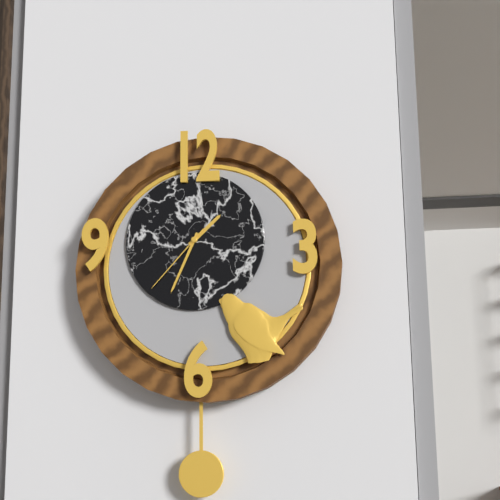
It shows {"hour": 1, "minute": 34, "second": 37}
